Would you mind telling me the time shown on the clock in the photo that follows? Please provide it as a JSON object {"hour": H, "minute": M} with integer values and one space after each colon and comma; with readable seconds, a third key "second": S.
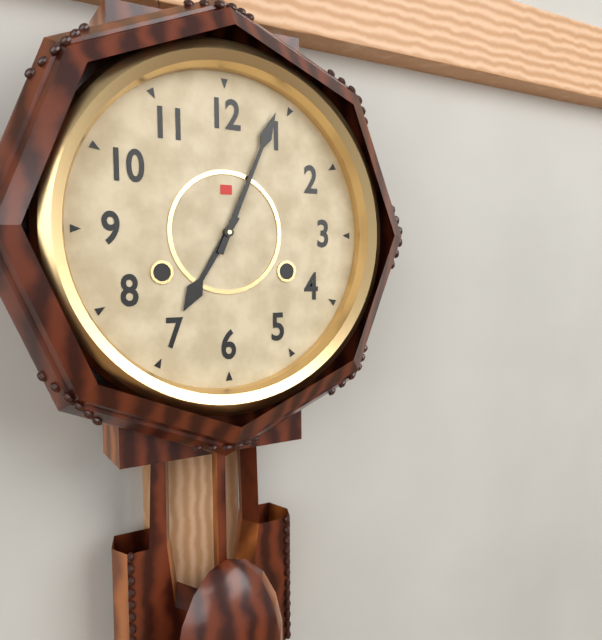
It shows {"hour": 7, "minute": 4}
